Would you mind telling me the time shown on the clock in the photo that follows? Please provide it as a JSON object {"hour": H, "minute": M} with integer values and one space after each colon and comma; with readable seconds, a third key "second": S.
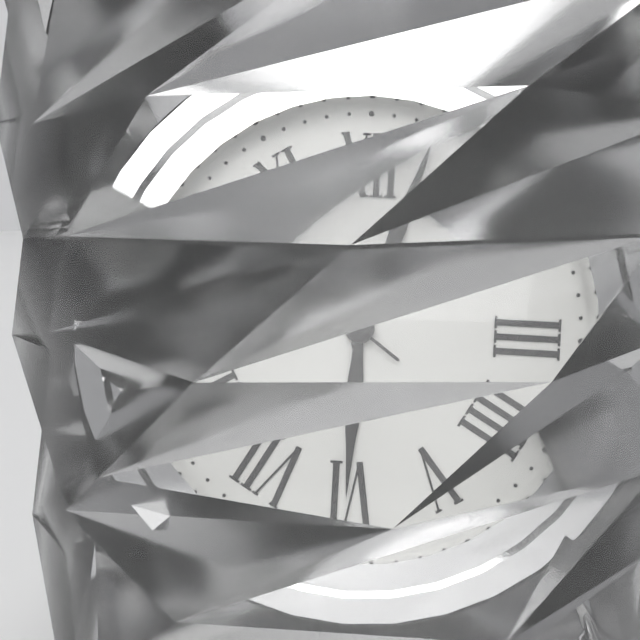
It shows {"hour": 6, "minute": 3, "second": 51}
